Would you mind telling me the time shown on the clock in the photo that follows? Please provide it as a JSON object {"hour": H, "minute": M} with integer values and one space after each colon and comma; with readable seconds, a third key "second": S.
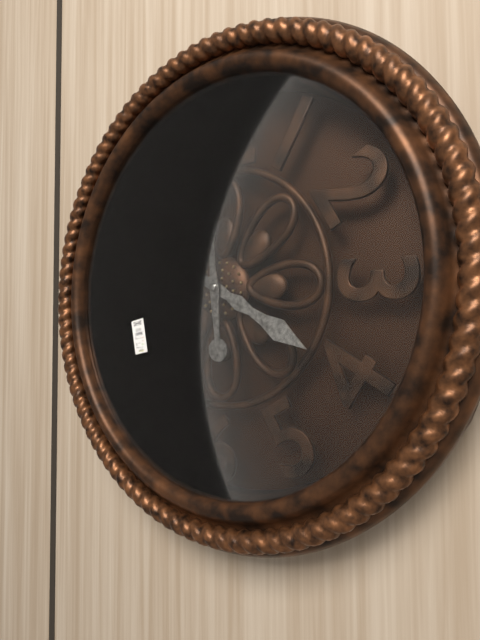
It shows {"hour": 3, "minute": 59}
